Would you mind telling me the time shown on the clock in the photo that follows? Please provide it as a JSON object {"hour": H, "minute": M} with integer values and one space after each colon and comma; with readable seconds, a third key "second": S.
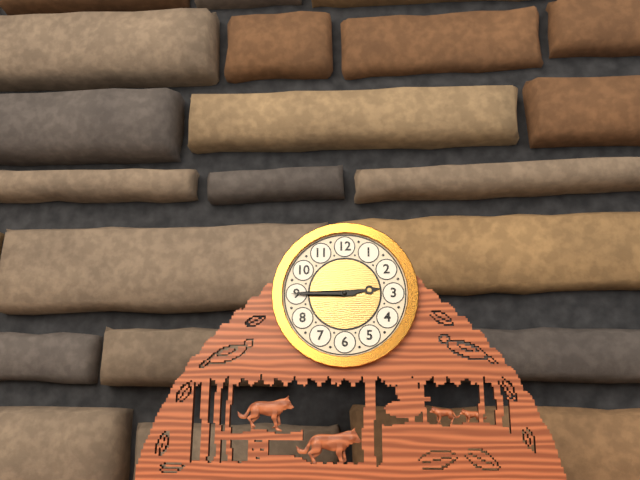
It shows {"hour": 2, "minute": 45}
